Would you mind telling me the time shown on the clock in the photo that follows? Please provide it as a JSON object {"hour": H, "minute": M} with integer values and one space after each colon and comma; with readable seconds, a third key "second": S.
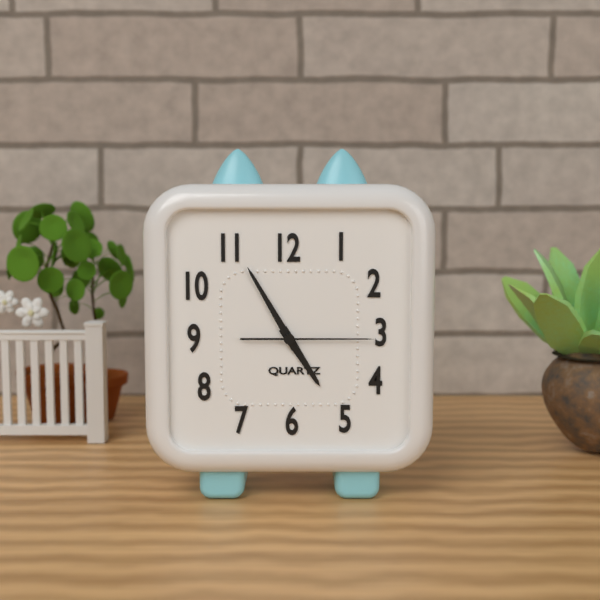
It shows {"hour": 4, "minute": 55, "second": 15}
